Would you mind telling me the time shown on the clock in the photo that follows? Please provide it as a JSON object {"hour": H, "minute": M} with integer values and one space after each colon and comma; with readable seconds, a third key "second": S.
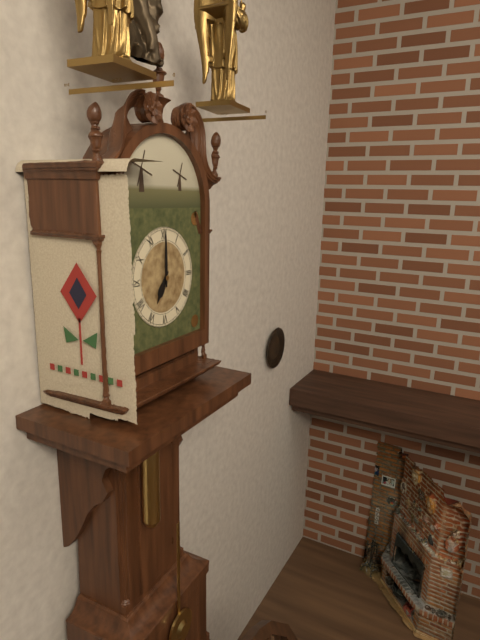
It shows {"hour": 7, "minute": 0}
